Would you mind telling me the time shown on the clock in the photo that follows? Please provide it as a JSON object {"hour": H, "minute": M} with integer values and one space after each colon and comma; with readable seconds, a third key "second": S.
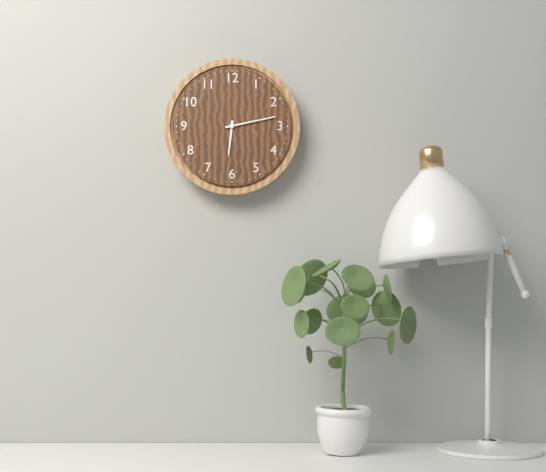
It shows {"hour": 6, "minute": 13}
